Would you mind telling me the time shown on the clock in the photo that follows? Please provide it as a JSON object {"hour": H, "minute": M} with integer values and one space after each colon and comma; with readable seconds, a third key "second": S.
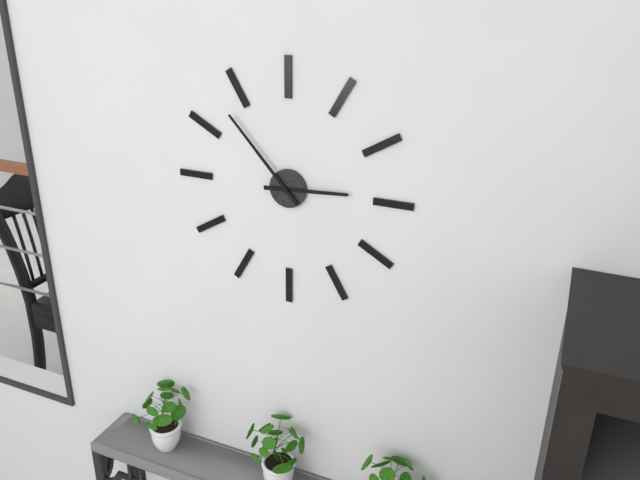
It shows {"hour": 2, "minute": 53}
